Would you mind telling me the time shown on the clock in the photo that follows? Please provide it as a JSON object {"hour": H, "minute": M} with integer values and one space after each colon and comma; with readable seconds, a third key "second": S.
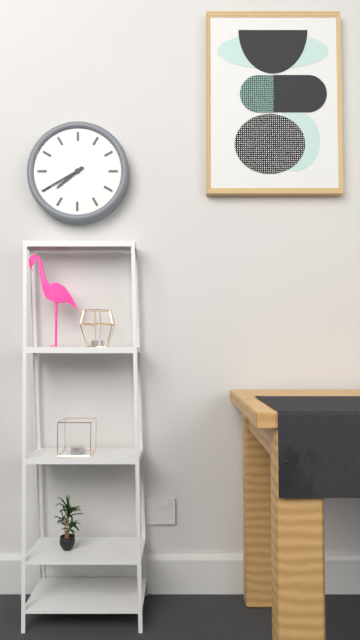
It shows {"hour": 7, "minute": 40}
